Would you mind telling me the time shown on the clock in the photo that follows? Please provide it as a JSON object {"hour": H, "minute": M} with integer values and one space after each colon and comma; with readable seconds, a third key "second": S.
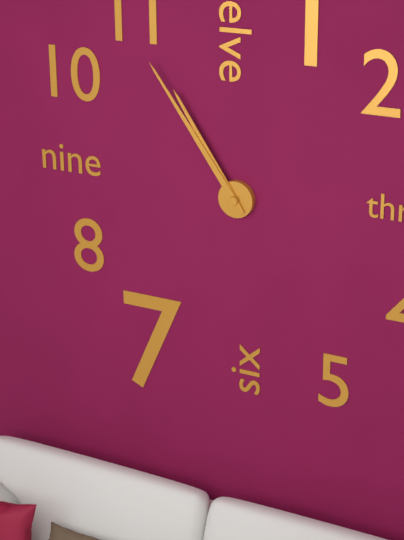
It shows {"hour": 10, "minute": 54}
